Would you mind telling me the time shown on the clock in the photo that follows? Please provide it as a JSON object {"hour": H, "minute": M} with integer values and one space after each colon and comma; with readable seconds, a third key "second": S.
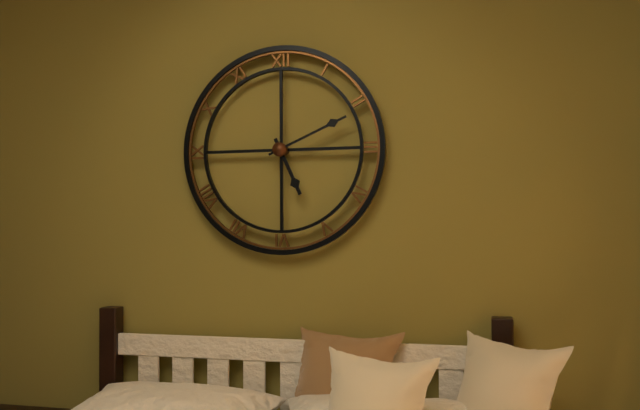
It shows {"hour": 5, "minute": 11}
